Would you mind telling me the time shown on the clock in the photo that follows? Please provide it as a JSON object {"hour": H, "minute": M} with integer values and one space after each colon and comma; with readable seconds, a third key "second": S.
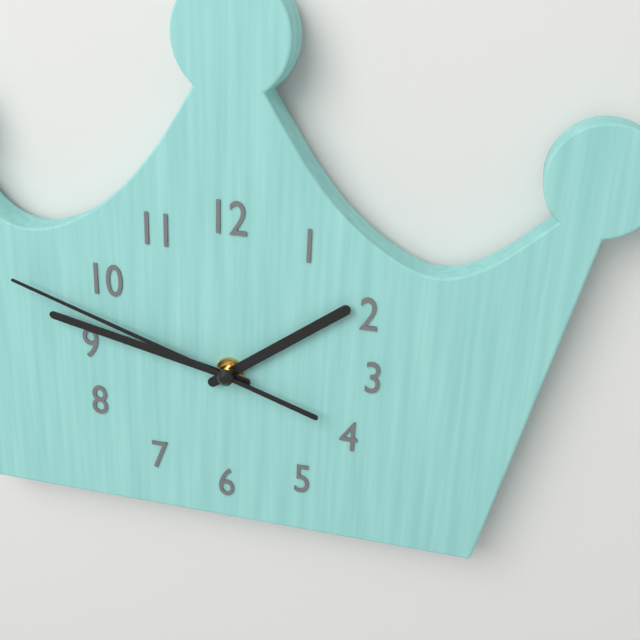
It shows {"hour": 1, "minute": 47, "second": 48}
